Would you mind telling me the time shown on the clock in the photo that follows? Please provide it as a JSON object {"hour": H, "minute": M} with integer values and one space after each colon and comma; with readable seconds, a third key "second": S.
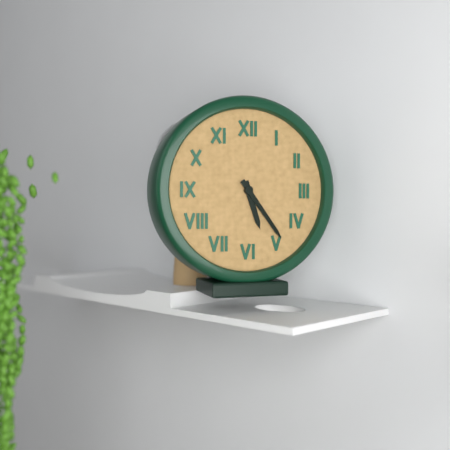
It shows {"hour": 5, "minute": 24}
